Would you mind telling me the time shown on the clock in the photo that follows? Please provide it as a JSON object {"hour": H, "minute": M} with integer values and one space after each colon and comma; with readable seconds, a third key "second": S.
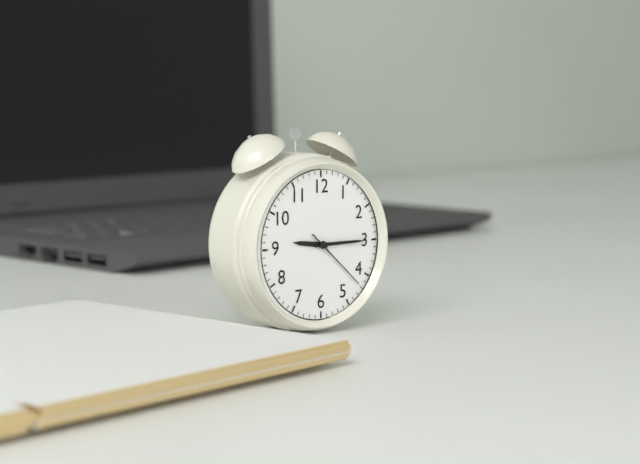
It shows {"hour": 9, "minute": 15, "second": 22}
